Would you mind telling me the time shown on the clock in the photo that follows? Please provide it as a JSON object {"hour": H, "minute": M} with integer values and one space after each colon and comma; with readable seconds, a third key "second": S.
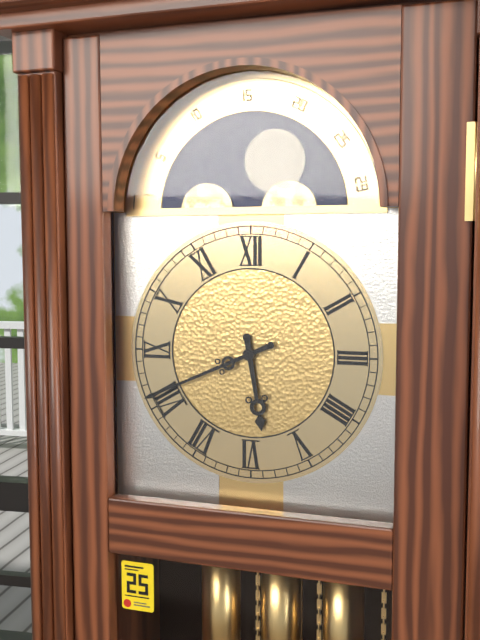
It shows {"hour": 5, "minute": 41}
